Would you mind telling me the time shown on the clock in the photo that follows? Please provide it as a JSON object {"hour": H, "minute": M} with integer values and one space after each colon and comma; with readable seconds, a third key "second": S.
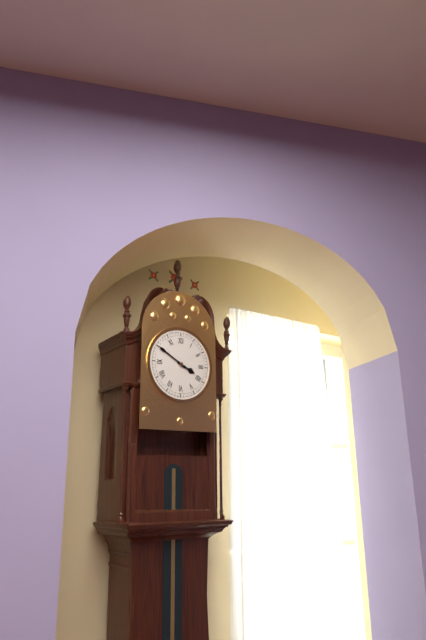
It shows {"hour": 3, "minute": 50}
